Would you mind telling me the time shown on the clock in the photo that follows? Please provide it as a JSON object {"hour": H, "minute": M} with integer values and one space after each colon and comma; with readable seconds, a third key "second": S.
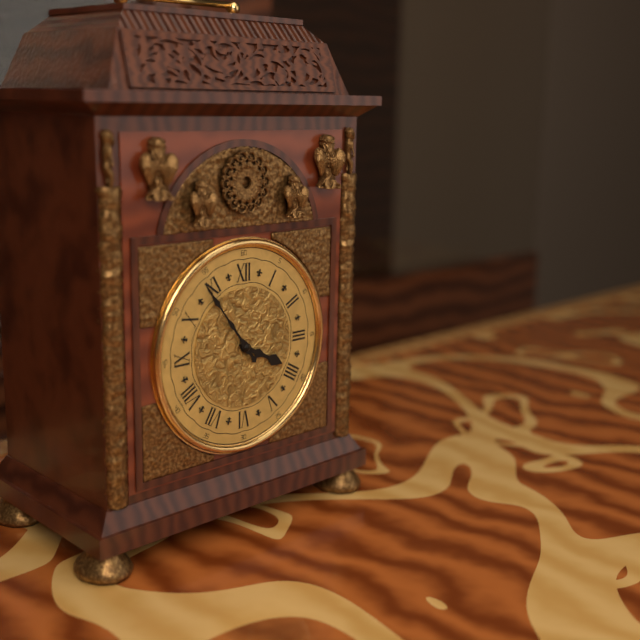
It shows {"hour": 3, "minute": 54}
